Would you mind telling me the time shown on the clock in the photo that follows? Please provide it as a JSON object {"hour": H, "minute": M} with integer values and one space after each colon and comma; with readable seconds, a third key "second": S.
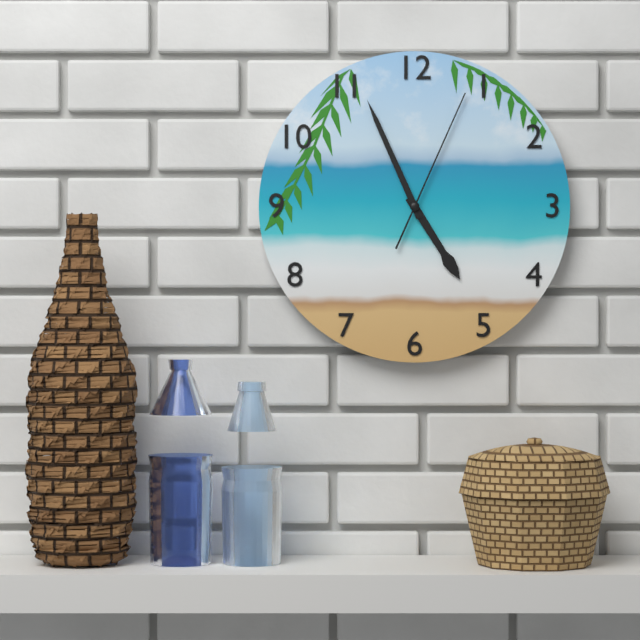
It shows {"hour": 4, "minute": 56, "second": 4}
